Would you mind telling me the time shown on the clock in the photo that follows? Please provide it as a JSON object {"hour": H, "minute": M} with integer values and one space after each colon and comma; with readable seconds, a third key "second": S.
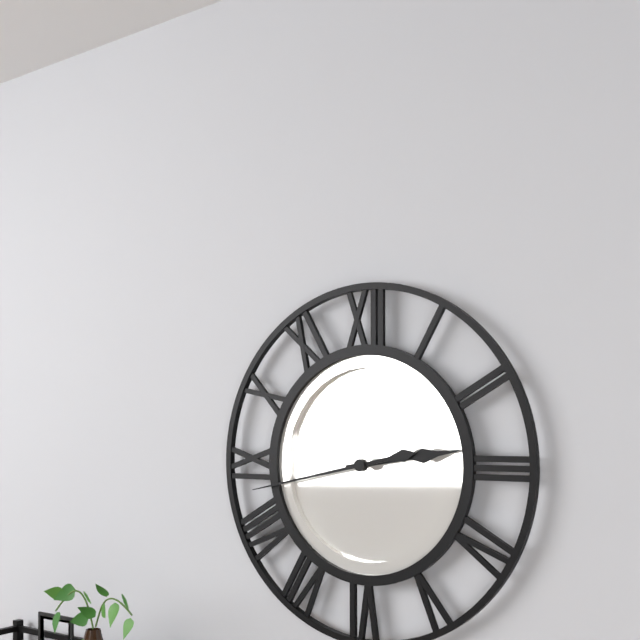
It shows {"hour": 2, "minute": 43}
